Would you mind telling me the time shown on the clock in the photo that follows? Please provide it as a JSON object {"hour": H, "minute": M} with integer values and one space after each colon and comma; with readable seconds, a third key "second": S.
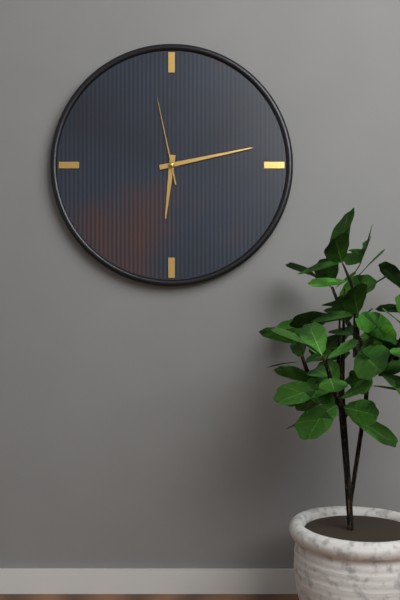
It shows {"hour": 6, "minute": 13, "second": 58}
